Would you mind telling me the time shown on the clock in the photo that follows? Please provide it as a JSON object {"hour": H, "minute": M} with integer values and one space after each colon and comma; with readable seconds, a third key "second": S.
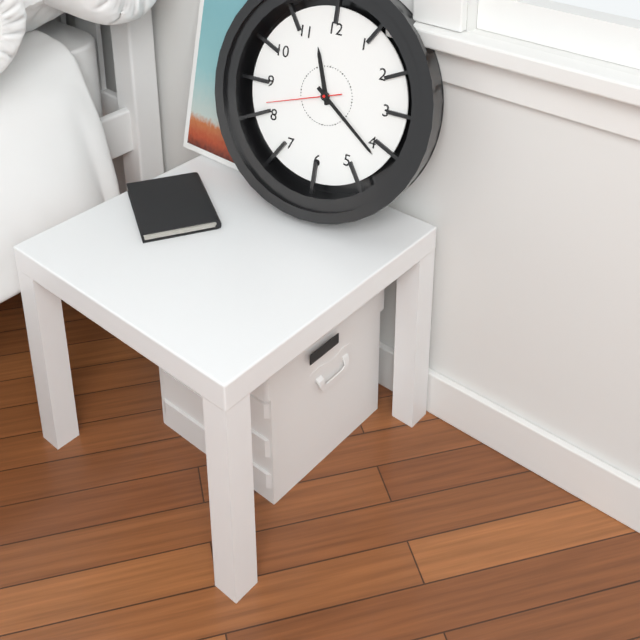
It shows {"hour": 11, "minute": 21, "second": 42}
